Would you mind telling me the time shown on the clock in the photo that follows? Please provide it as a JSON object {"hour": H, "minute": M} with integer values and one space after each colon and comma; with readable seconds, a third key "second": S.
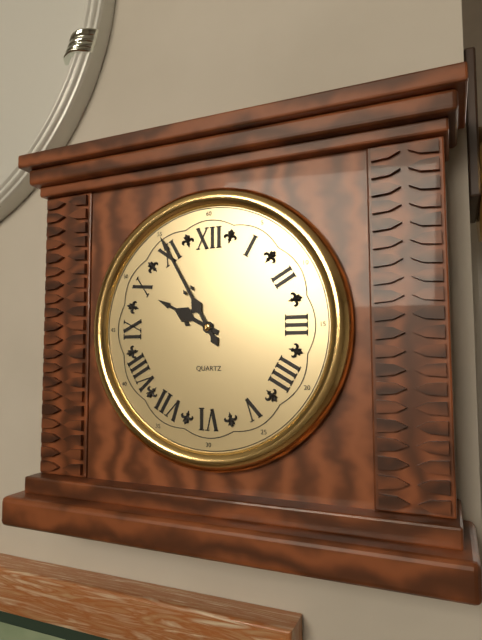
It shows {"hour": 9, "minute": 55}
